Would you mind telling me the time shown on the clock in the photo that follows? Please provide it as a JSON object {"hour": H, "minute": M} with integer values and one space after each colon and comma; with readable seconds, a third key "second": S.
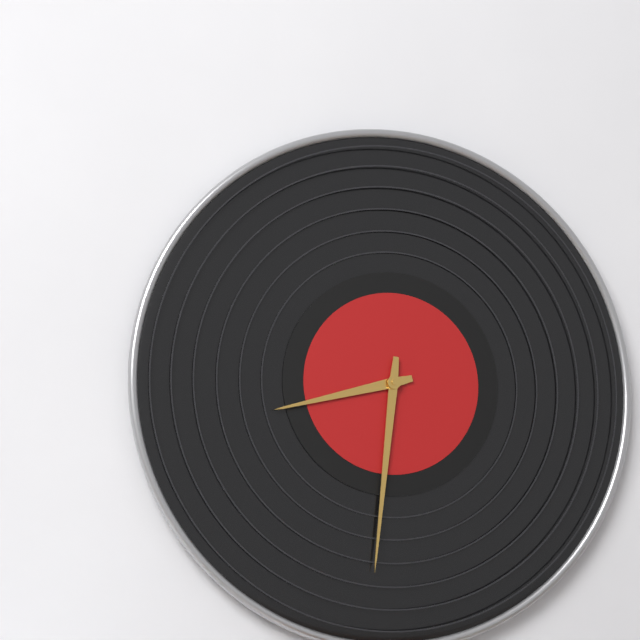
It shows {"hour": 8, "minute": 31}
